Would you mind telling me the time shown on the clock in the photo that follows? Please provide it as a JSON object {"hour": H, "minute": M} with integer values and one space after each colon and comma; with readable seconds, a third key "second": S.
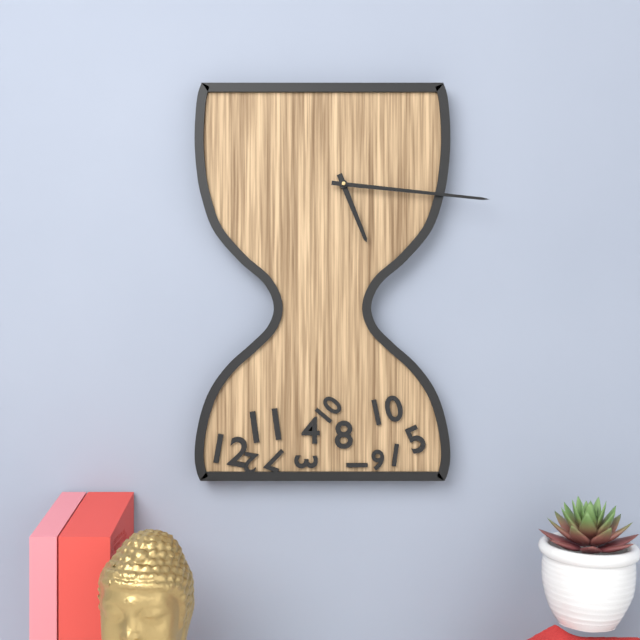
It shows {"hour": 5, "minute": 16}
